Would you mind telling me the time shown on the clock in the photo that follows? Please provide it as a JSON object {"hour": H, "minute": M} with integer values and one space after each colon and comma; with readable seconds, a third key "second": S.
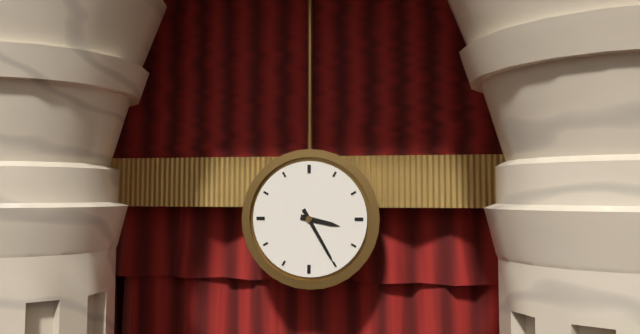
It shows {"hour": 3, "minute": 25}
